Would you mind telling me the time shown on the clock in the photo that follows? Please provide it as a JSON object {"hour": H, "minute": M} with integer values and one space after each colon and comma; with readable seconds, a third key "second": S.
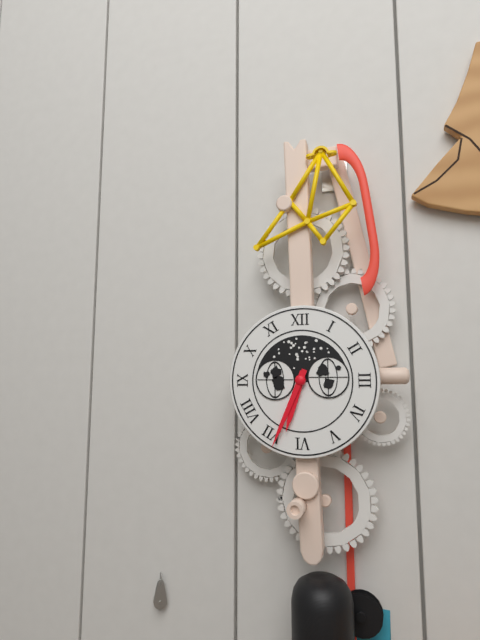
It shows {"hour": 6, "minute": 34}
